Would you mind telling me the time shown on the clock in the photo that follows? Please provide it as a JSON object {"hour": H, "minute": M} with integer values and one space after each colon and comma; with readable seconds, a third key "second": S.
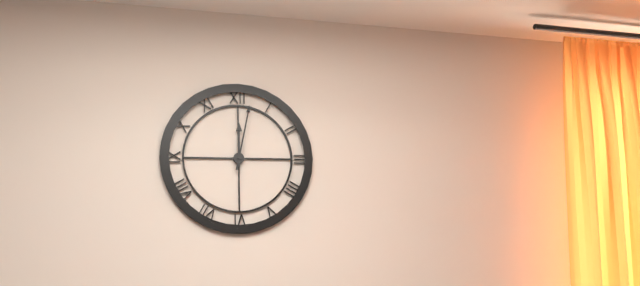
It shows {"hour": 12, "minute": 2}
